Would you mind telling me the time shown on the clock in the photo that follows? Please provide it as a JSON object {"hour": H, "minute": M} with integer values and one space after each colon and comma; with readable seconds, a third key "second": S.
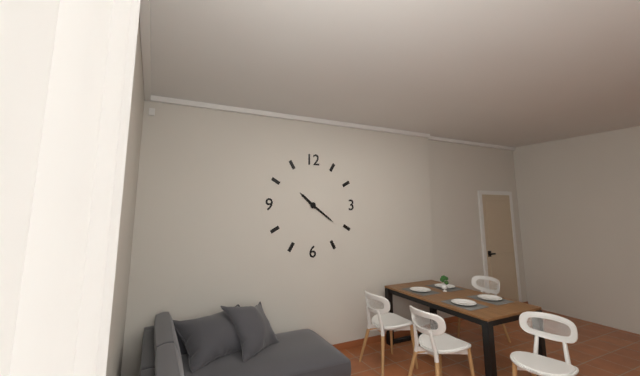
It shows {"hour": 10, "minute": 21}
